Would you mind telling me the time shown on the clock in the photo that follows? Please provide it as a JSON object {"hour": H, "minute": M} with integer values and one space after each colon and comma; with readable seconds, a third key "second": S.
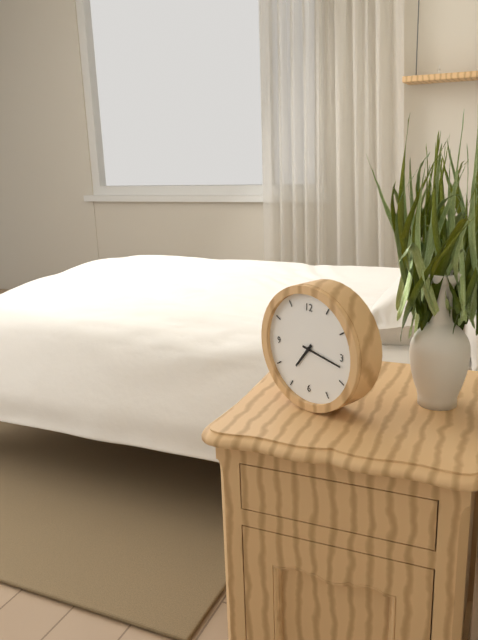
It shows {"hour": 7, "minute": 17}
